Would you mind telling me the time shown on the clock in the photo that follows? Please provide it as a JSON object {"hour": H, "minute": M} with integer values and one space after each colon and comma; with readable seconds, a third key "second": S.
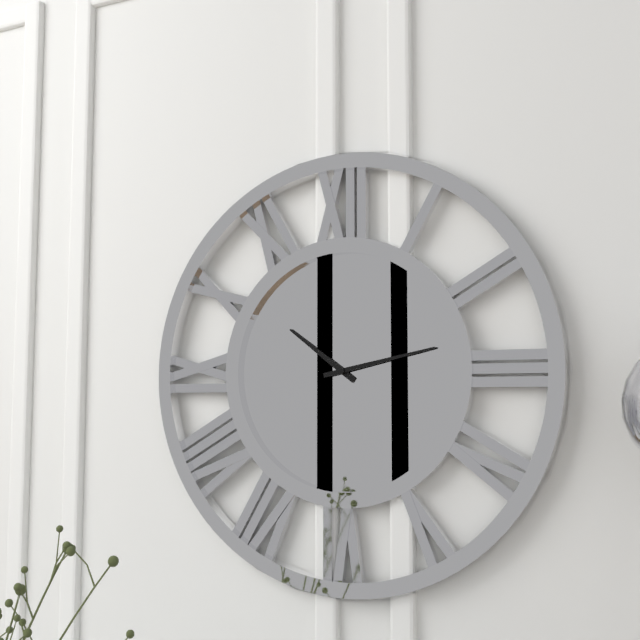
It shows {"hour": 10, "minute": 13}
